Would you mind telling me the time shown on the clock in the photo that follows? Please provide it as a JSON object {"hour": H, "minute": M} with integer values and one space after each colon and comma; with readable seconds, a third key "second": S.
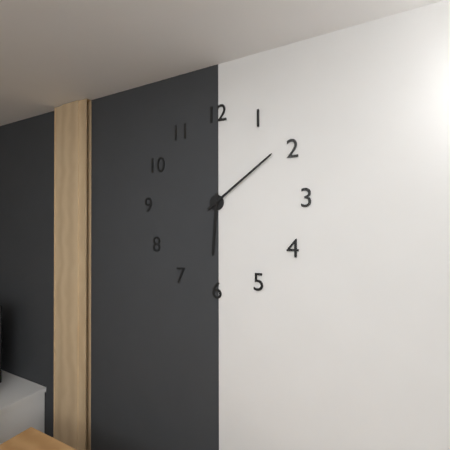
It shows {"hour": 6, "minute": 9}
